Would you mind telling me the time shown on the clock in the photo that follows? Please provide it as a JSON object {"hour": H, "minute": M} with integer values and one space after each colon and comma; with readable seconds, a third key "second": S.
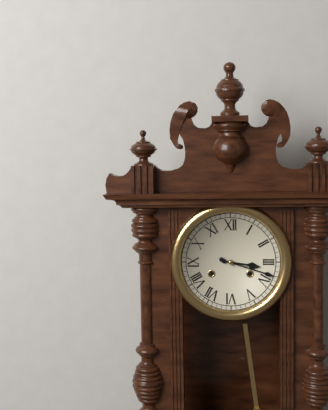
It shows {"hour": 3, "minute": 18}
